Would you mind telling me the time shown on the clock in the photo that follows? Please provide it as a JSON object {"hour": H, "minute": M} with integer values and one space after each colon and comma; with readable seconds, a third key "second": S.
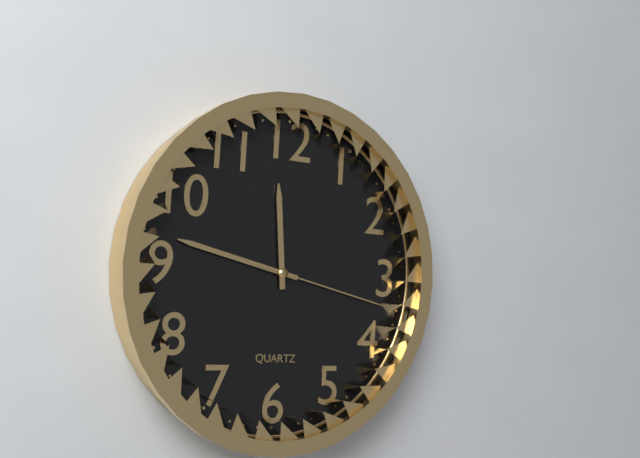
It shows {"hour": 11, "minute": 47, "second": 17}
